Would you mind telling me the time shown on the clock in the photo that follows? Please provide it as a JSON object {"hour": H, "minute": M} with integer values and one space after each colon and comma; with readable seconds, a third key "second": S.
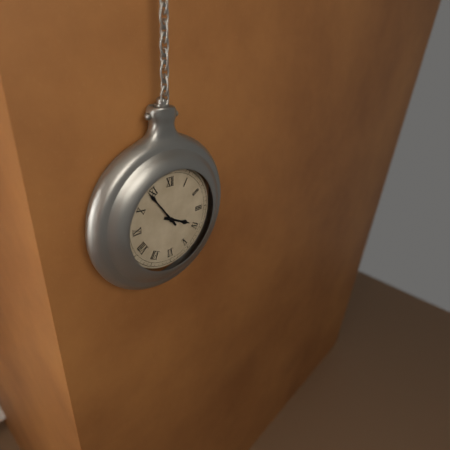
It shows {"hour": 3, "minute": 54}
